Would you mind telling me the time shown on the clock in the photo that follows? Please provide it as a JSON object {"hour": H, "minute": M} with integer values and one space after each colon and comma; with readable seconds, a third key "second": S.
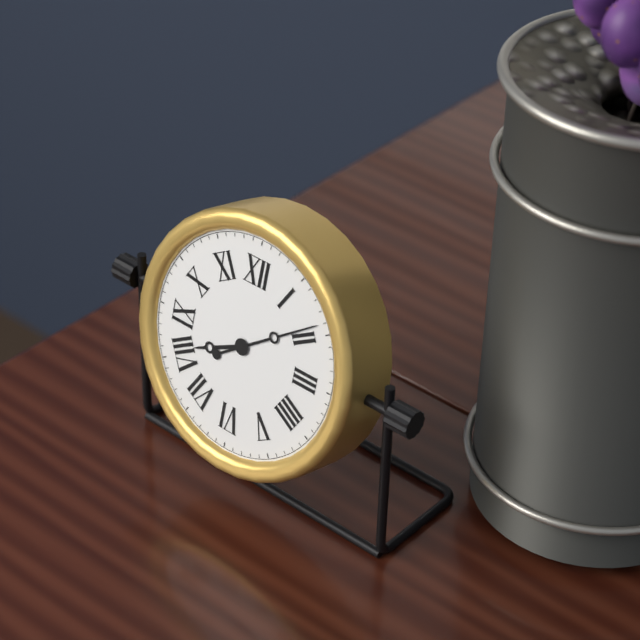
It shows {"hour": 8, "minute": 9}
